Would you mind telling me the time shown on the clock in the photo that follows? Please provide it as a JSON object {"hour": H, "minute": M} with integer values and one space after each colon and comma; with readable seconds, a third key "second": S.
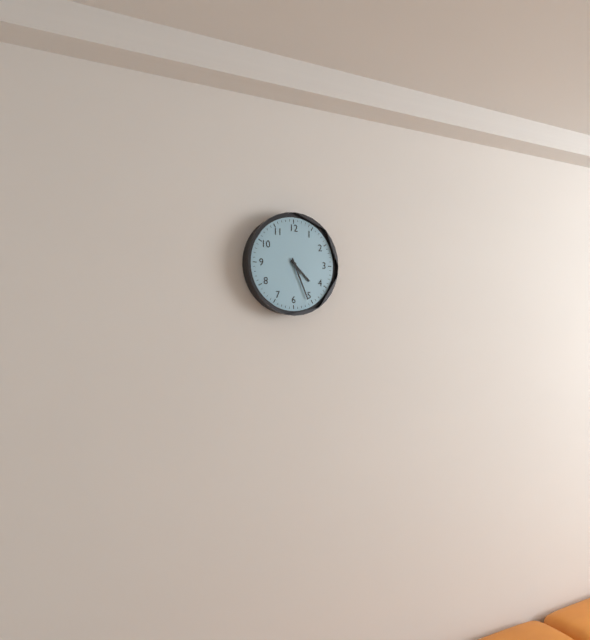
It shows {"hour": 4, "minute": 26}
